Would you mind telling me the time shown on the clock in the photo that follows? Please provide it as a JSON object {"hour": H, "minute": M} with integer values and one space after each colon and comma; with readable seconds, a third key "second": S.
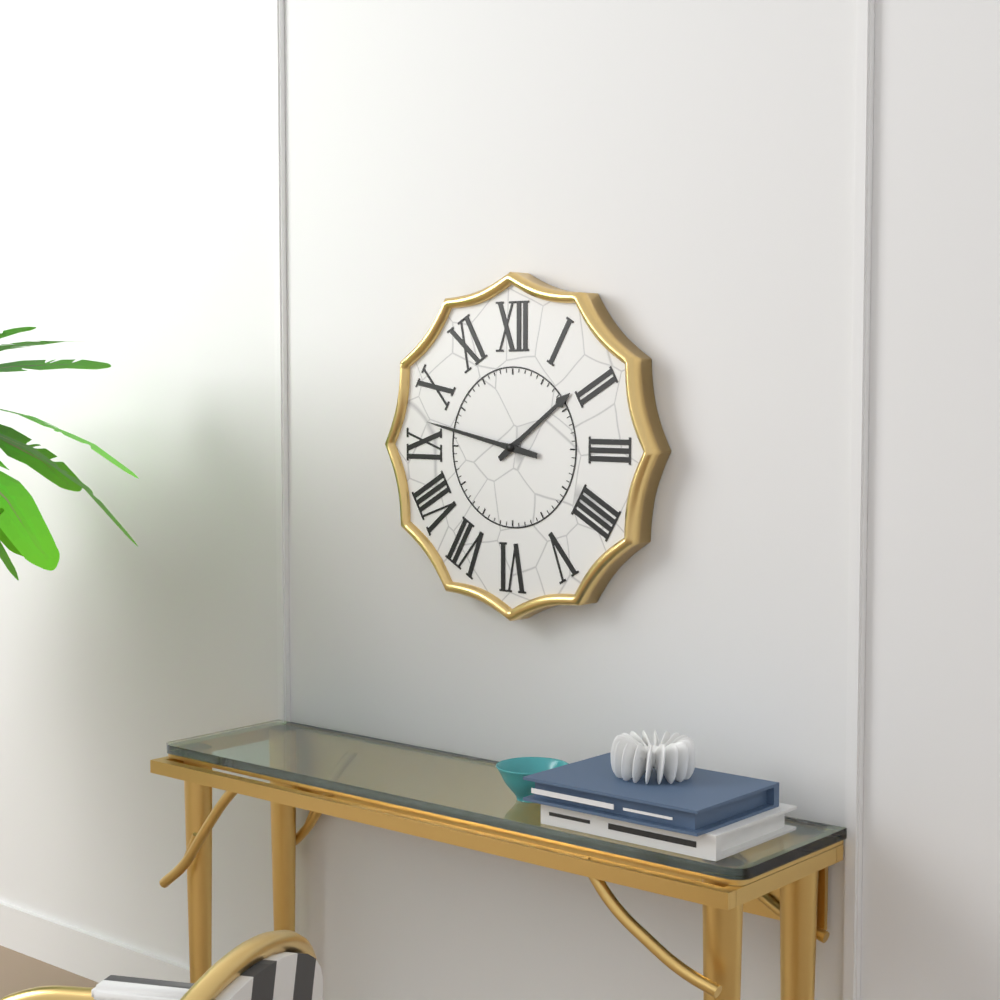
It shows {"hour": 1, "minute": 47}
